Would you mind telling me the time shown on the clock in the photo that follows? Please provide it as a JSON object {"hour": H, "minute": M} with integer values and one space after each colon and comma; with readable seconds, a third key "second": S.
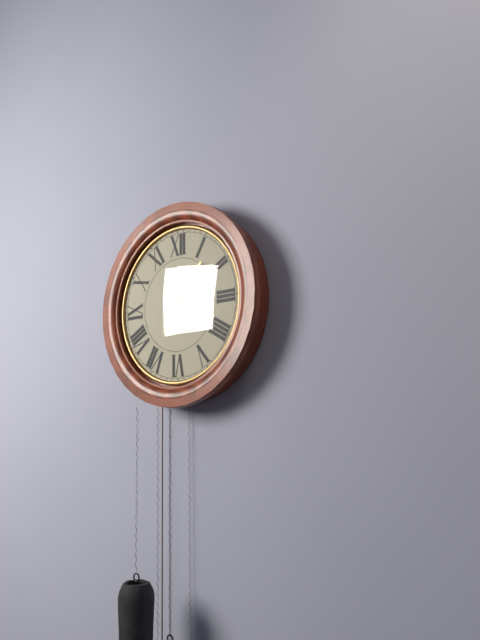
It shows {"hour": 12, "minute": 7}
